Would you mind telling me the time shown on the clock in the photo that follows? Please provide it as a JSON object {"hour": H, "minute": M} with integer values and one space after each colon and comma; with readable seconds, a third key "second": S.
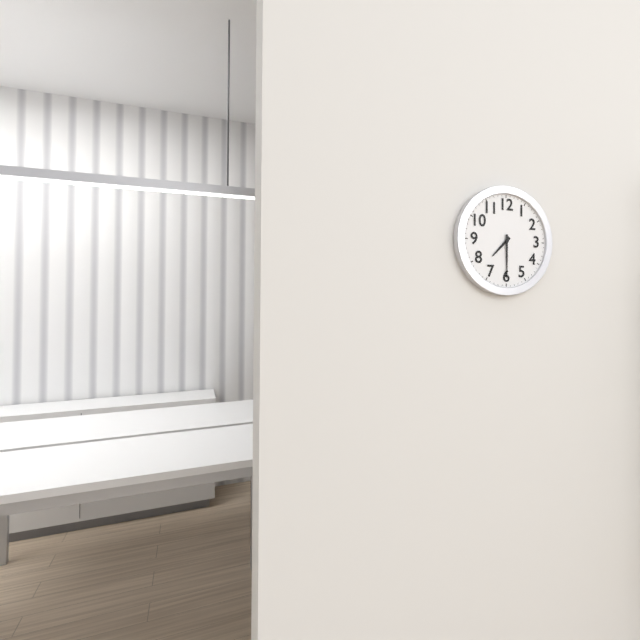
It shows {"hour": 7, "minute": 30}
